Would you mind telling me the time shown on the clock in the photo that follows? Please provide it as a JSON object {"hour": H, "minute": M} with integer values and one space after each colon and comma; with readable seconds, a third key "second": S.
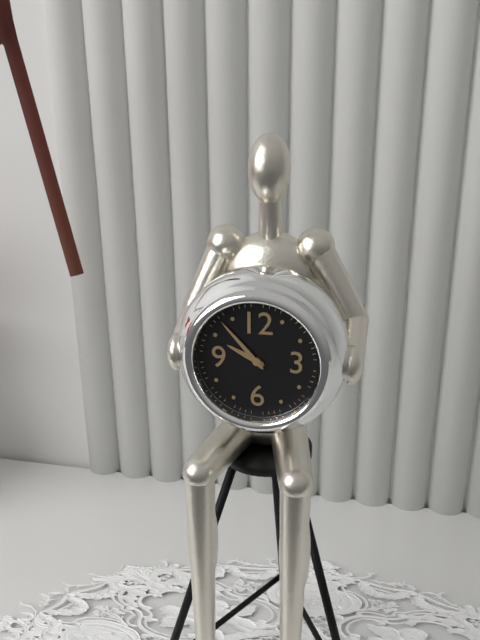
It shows {"hour": 9, "minute": 53}
